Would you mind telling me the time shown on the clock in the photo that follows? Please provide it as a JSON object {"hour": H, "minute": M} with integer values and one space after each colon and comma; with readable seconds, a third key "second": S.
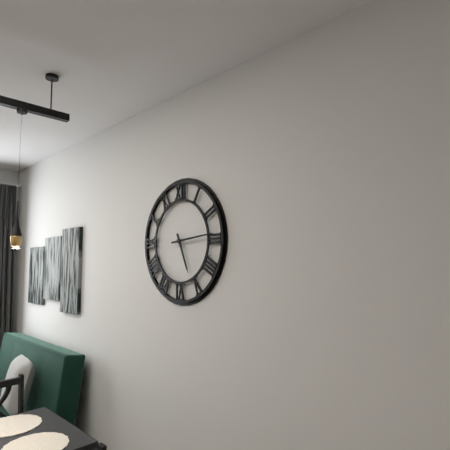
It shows {"hour": 5, "minute": 14}
